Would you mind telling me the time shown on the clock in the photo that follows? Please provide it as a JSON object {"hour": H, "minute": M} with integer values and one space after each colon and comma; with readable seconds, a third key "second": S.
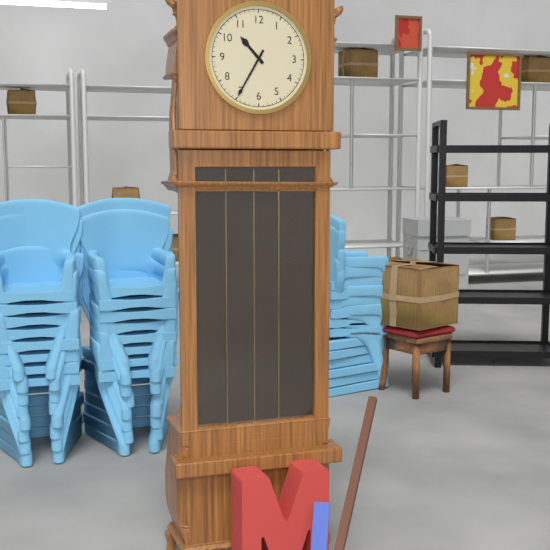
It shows {"hour": 10, "minute": 35}
